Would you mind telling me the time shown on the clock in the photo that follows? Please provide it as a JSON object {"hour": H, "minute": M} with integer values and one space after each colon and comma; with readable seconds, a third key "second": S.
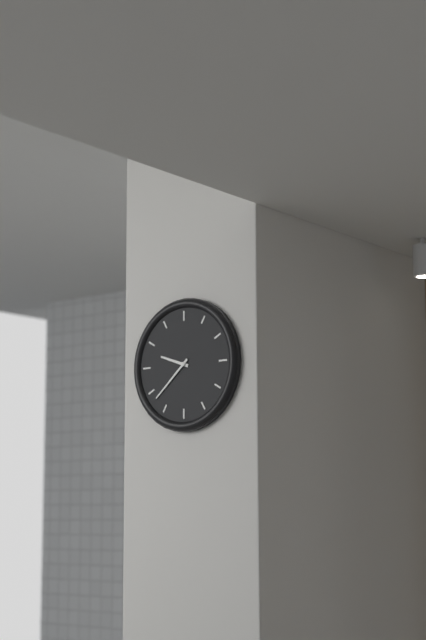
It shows {"hour": 9, "minute": 38}
